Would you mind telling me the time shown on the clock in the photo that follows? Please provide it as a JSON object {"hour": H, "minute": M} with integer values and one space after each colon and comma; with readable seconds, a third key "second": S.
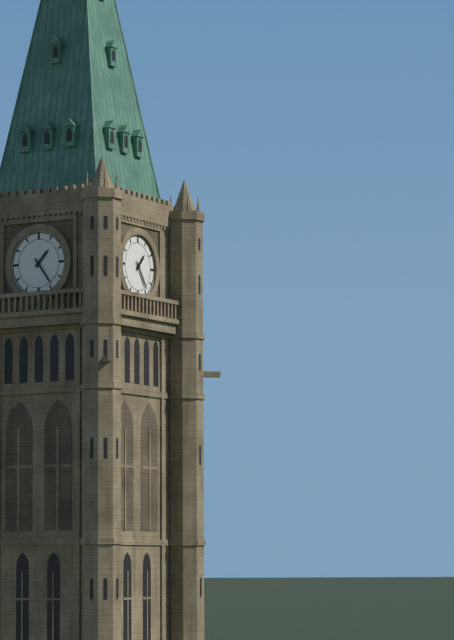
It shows {"hour": 1, "minute": 24}
